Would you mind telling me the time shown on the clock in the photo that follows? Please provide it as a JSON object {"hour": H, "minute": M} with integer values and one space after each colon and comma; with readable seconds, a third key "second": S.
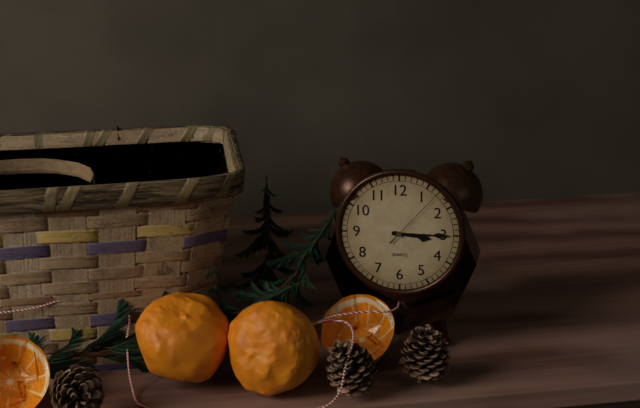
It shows {"hour": 3, "minute": 15, "second": 7}
